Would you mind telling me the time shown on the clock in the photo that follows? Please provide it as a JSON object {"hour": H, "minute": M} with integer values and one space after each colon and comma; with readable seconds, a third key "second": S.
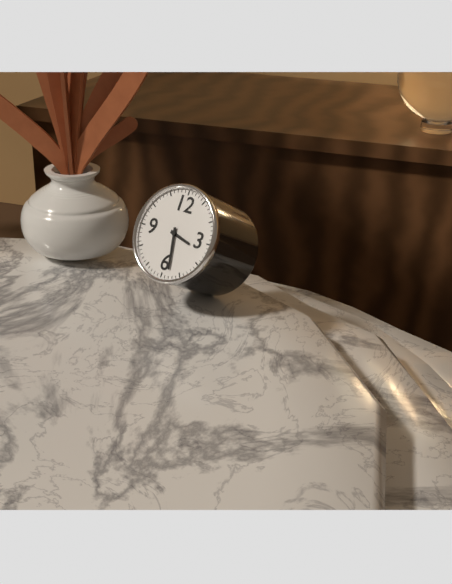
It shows {"hour": 3, "minute": 28}
